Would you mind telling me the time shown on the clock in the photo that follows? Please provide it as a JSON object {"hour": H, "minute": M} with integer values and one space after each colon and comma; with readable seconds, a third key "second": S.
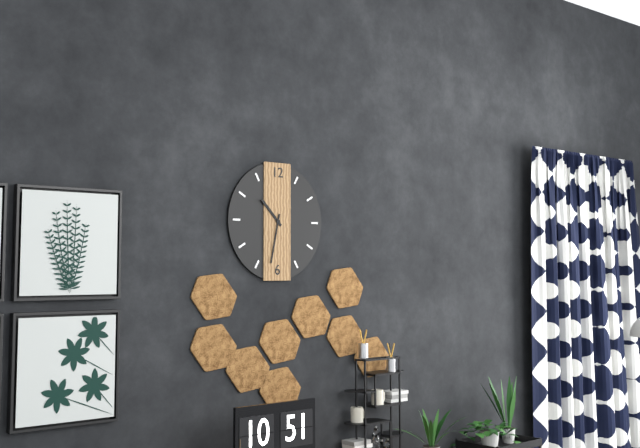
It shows {"hour": 10, "minute": 32}
